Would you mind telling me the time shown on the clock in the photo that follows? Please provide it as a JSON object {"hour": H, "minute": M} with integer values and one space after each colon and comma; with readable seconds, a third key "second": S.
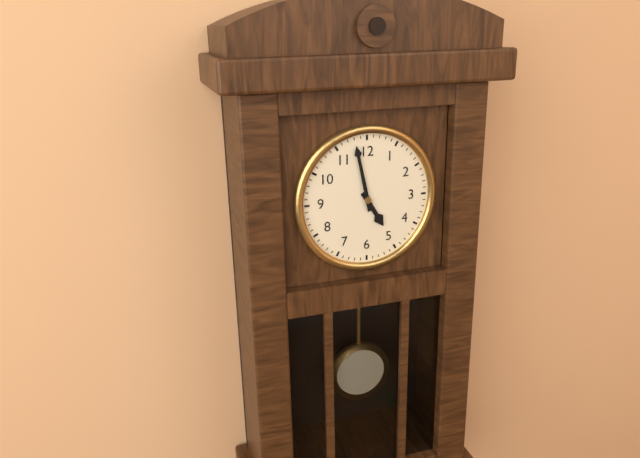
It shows {"hour": 4, "minute": 58}
